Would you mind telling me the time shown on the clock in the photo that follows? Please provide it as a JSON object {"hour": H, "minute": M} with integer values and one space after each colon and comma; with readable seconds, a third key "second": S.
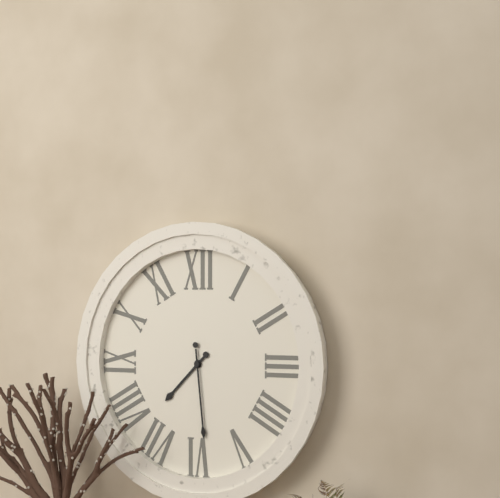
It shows {"hour": 7, "minute": 29}
